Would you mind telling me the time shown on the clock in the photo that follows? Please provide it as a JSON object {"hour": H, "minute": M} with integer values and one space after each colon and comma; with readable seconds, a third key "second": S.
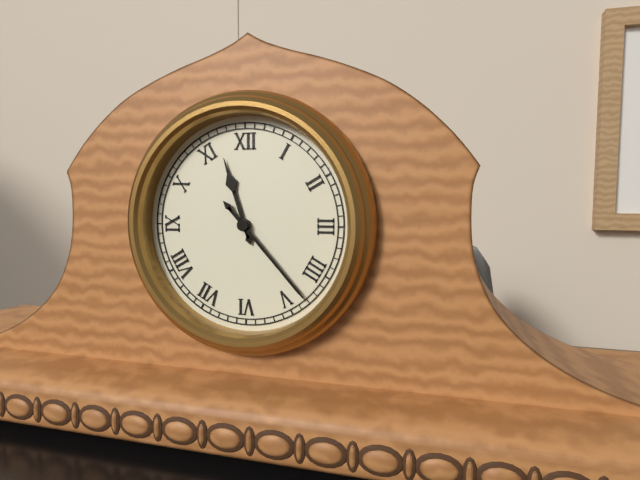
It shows {"hour": 11, "minute": 23}
